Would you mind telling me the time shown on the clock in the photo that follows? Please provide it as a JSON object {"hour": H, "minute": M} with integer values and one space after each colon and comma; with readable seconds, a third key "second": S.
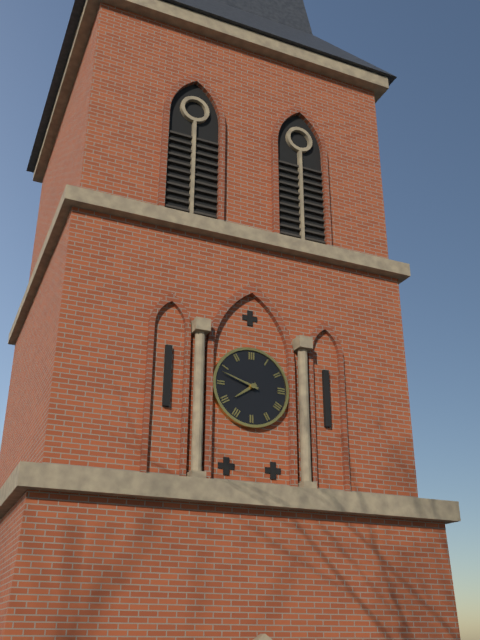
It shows {"hour": 7, "minute": 48}
